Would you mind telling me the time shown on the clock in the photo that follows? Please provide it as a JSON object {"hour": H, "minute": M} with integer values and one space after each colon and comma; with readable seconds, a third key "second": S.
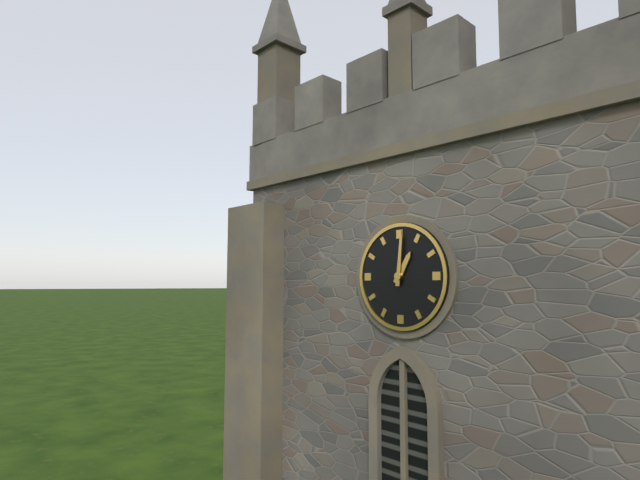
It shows {"hour": 1, "minute": 1}
